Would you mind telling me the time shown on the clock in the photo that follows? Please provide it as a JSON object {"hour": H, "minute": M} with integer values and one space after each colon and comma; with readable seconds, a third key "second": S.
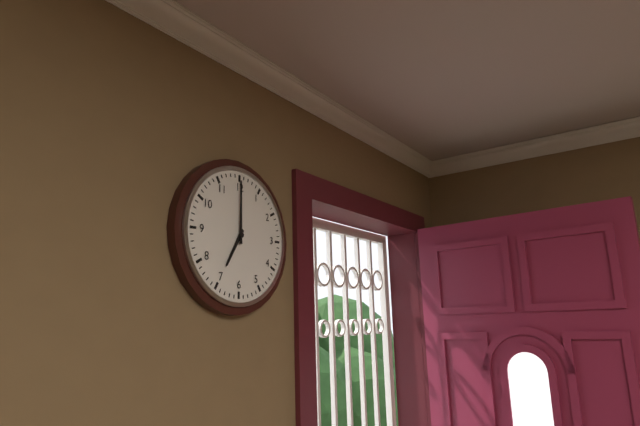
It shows {"hour": 7, "minute": 0}
